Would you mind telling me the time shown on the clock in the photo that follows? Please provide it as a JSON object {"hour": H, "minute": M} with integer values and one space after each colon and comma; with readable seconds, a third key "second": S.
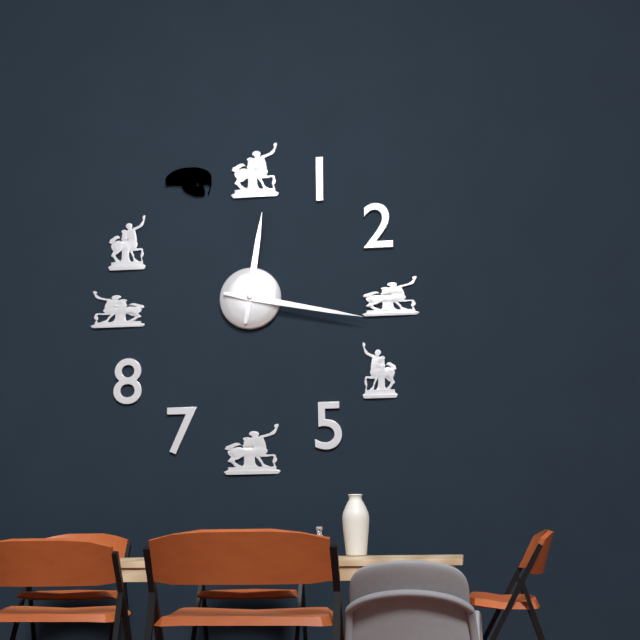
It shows {"hour": 12, "minute": 17}
